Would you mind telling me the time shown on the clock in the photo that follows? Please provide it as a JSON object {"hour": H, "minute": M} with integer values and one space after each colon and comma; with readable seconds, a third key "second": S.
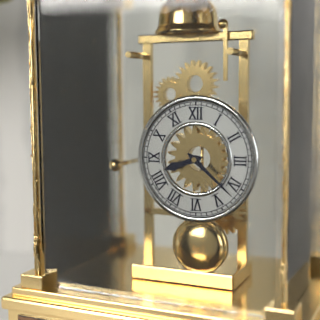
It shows {"hour": 8, "minute": 22}
